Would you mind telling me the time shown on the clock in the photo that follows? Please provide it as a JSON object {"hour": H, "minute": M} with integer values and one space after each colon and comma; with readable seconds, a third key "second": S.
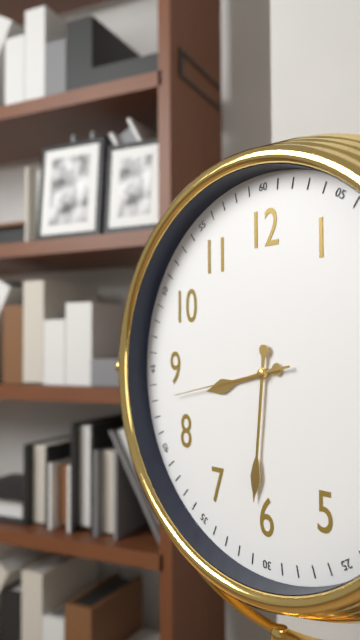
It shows {"hour": 8, "minute": 31, "second": 43}
